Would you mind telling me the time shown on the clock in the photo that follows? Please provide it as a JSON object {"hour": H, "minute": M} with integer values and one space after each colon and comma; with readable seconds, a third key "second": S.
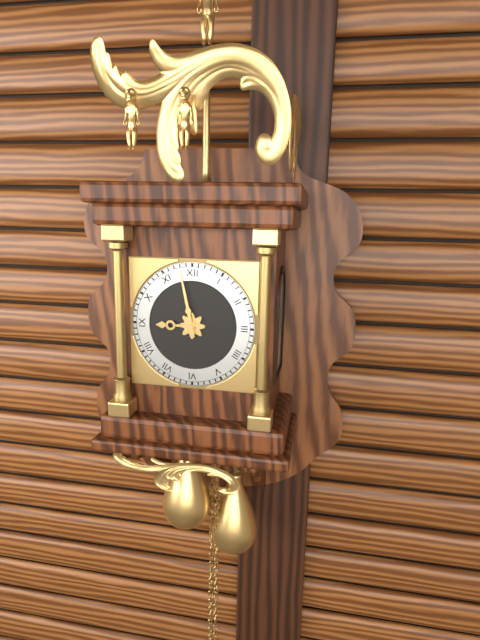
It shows {"hour": 8, "minute": 58}
